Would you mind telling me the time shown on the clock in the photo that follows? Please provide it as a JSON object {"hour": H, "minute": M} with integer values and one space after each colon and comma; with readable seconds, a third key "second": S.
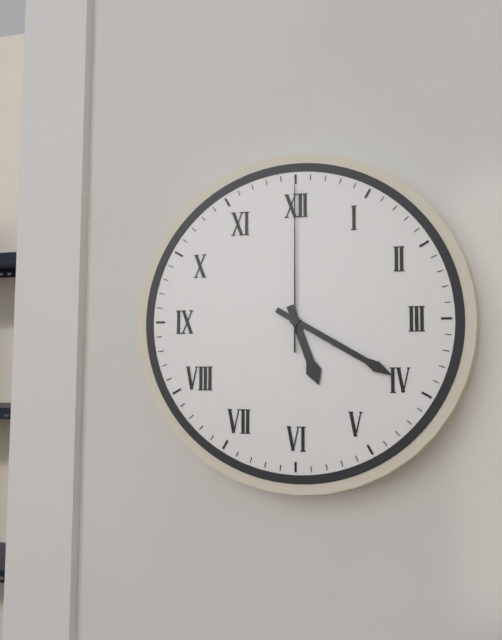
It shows {"hour": 5, "minute": 20, "second": 0}
